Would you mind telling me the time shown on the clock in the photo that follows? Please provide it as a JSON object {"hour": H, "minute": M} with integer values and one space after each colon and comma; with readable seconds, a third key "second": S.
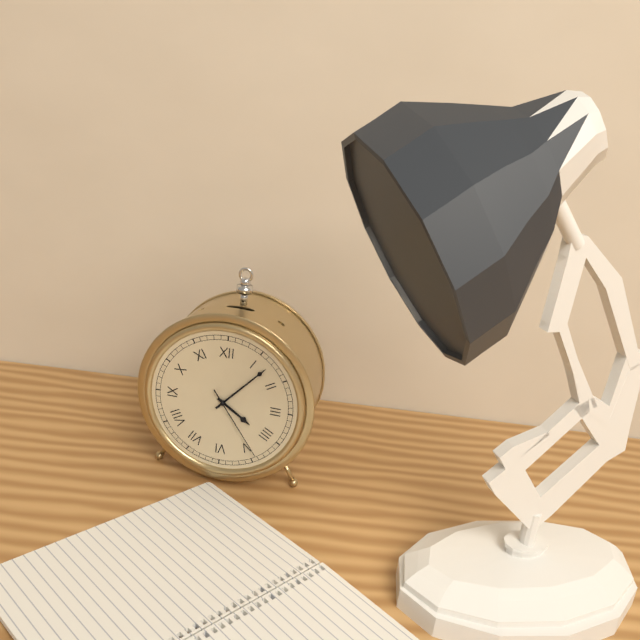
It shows {"hour": 4, "minute": 7, "second": 24}
